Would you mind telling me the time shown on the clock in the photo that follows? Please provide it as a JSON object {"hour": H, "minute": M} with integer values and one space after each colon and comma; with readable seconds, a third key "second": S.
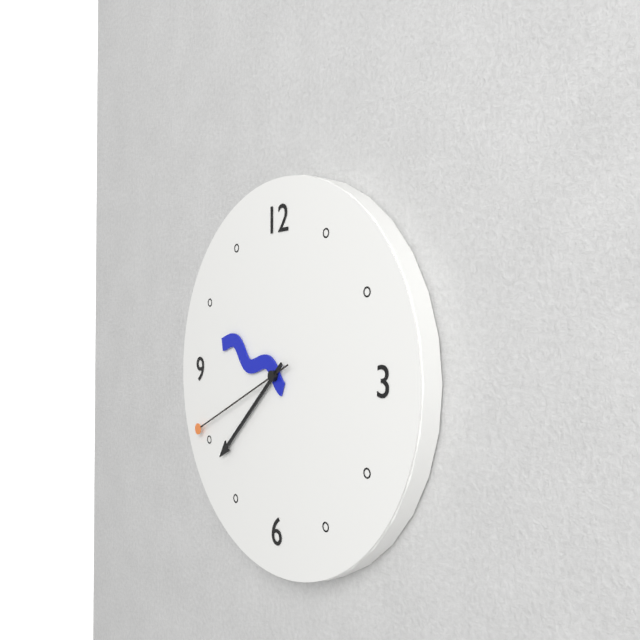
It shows {"hour": 9, "minute": 38, "second": 41}
